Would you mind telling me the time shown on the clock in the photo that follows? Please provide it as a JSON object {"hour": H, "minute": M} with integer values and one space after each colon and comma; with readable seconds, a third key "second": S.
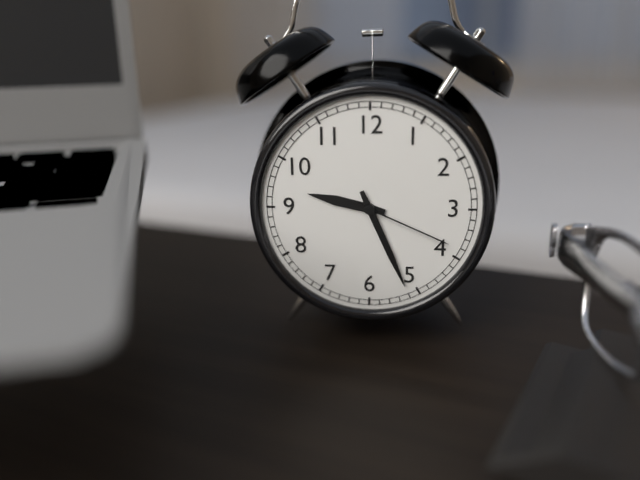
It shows {"hour": 9, "minute": 26, "second": 19}
